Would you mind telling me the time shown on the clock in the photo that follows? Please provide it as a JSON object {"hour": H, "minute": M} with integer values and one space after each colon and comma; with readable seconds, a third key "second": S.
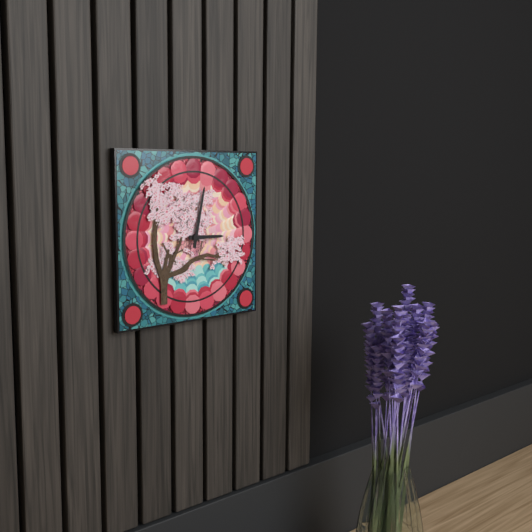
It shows {"hour": 3, "minute": 2}
